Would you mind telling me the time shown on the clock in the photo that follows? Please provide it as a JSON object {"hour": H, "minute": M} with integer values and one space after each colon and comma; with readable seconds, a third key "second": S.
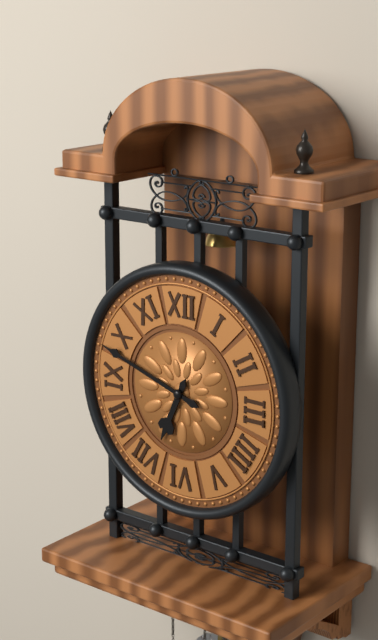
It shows {"hour": 6, "minute": 48}
